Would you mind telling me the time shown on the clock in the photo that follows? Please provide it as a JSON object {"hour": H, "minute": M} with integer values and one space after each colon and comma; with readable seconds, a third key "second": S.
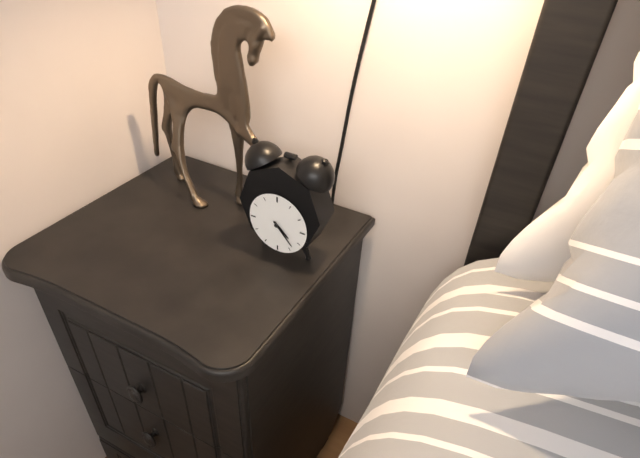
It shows {"hour": 4, "minute": 23}
